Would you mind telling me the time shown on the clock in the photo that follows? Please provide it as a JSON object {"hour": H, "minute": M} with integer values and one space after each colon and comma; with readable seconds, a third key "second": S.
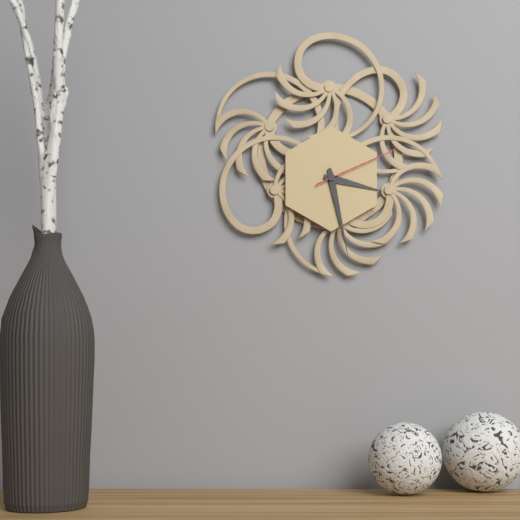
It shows {"hour": 3, "minute": 28, "second": 11}
